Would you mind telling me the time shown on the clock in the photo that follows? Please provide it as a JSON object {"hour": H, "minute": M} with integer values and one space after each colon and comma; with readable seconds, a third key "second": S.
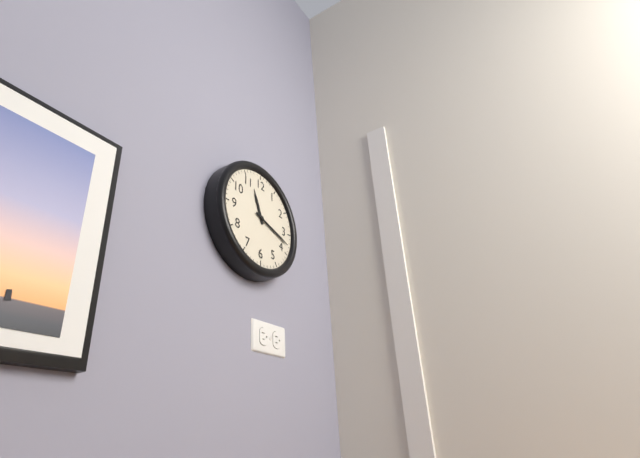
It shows {"hour": 11, "minute": 18}
